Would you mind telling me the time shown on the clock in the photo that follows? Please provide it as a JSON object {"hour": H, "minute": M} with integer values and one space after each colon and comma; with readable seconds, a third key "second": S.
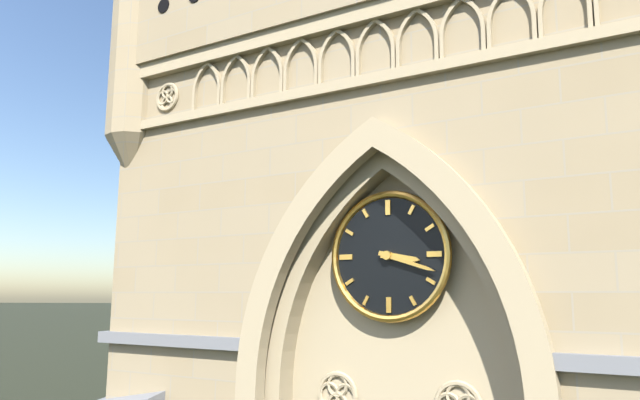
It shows {"hour": 3, "minute": 18}
